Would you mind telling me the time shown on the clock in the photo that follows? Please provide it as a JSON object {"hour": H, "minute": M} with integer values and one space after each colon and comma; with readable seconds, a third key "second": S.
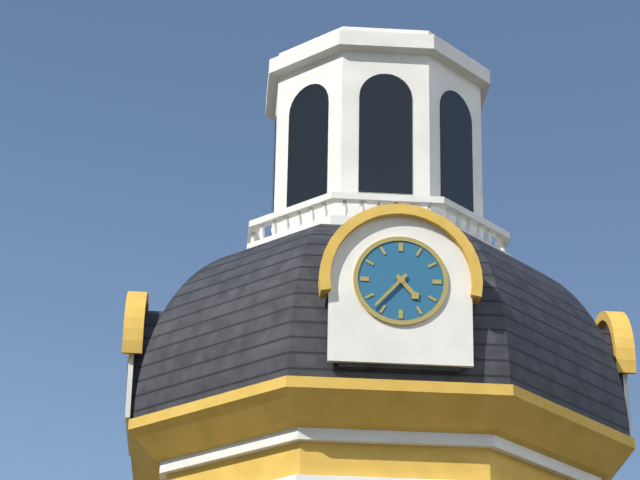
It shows {"hour": 4, "minute": 37}
